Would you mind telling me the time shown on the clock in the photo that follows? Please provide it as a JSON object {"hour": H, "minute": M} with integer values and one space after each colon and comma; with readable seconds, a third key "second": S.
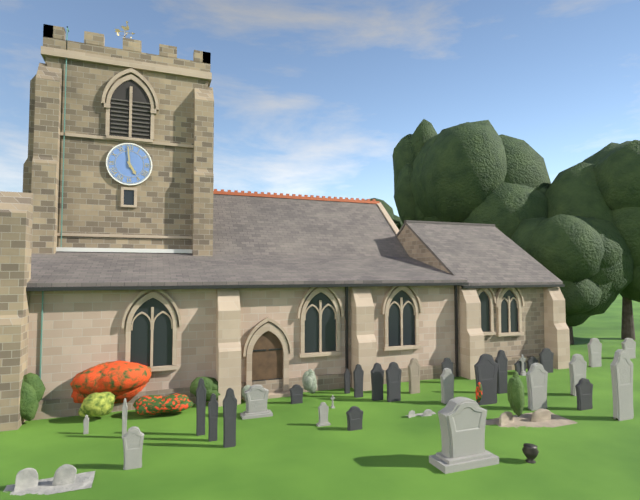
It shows {"hour": 4, "minute": 59}
